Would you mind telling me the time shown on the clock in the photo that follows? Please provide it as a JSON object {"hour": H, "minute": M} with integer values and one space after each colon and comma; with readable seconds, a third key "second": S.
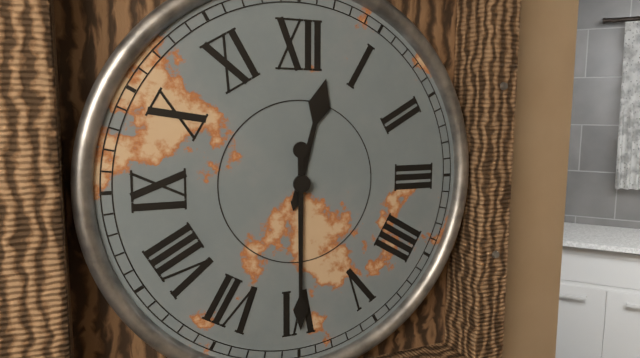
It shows {"hour": 12, "minute": 30}
